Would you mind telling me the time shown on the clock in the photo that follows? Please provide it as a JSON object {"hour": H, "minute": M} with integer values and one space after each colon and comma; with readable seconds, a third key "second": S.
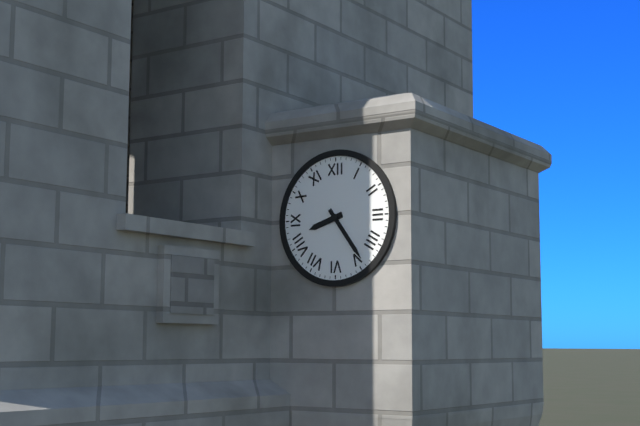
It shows {"hour": 8, "minute": 24}
